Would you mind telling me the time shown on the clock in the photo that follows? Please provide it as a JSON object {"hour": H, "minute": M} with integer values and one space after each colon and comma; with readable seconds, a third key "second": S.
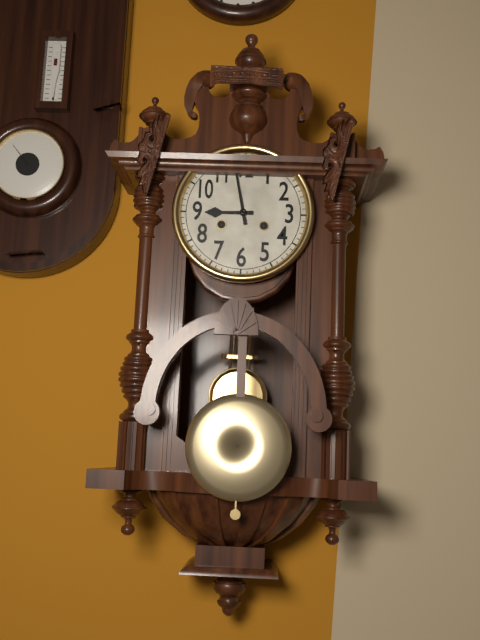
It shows {"hour": 8, "minute": 58}
